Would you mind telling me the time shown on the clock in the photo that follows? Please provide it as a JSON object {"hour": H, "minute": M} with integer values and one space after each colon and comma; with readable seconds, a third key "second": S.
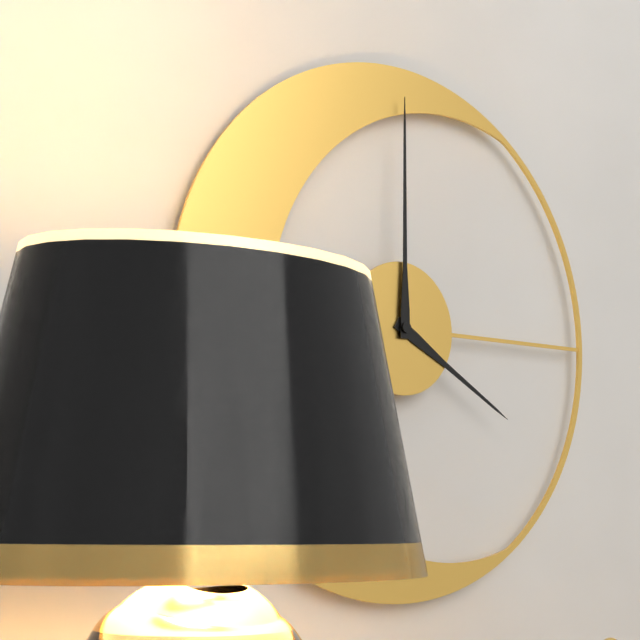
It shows {"hour": 4, "minute": 0}
